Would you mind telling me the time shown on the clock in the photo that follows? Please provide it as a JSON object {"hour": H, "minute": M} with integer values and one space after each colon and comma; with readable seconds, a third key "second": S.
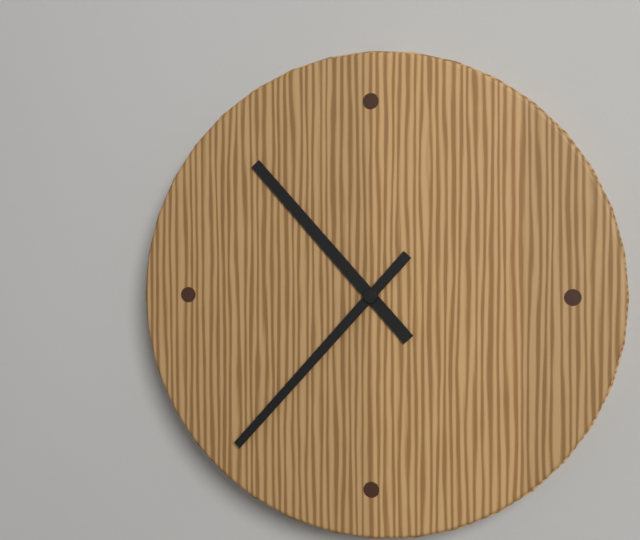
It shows {"hour": 10, "minute": 37}
